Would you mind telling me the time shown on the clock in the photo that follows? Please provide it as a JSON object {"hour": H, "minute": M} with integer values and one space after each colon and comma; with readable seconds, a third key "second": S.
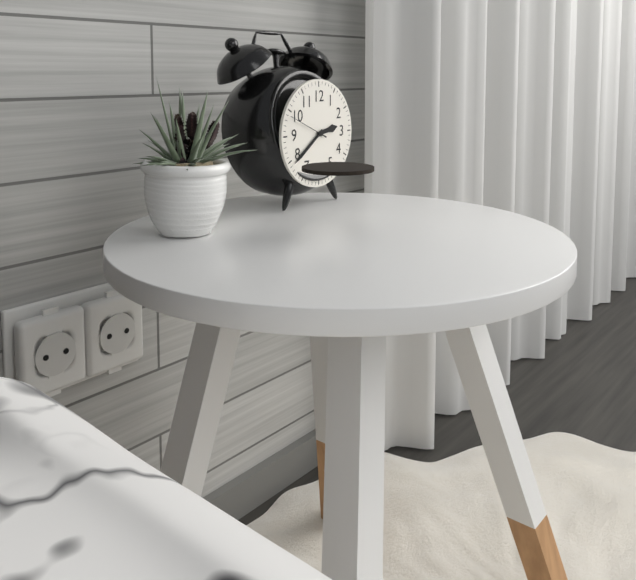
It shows {"hour": 2, "minute": 39}
